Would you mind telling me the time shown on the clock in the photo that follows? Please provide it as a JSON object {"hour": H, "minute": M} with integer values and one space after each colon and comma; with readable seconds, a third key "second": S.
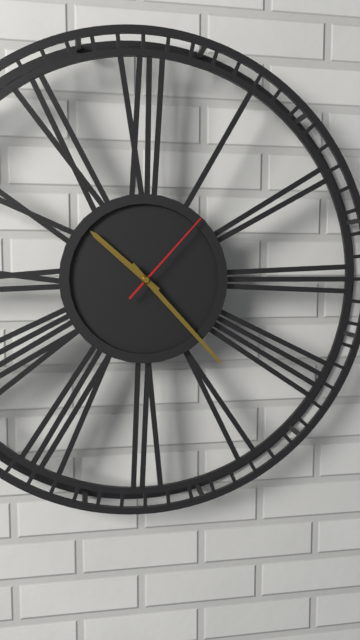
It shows {"hour": 10, "minute": 23, "second": 7}
